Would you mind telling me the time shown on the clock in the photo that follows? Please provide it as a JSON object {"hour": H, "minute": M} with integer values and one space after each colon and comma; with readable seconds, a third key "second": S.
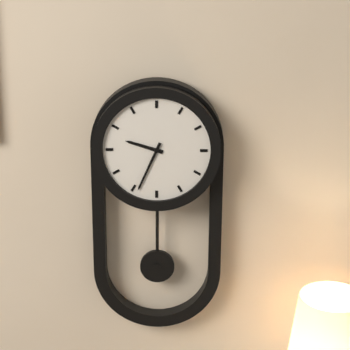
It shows {"hour": 9, "minute": 34}
